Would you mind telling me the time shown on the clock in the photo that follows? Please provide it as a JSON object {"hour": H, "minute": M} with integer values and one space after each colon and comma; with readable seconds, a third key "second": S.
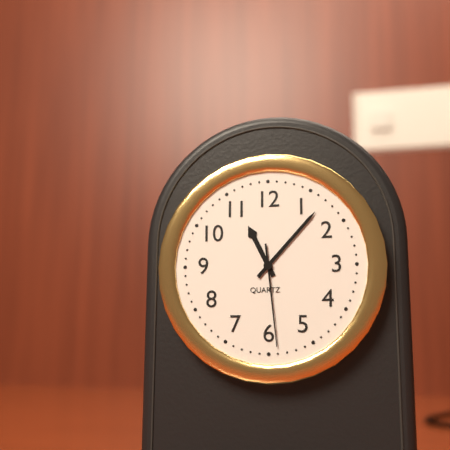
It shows {"hour": 11, "minute": 7, "second": 29}
